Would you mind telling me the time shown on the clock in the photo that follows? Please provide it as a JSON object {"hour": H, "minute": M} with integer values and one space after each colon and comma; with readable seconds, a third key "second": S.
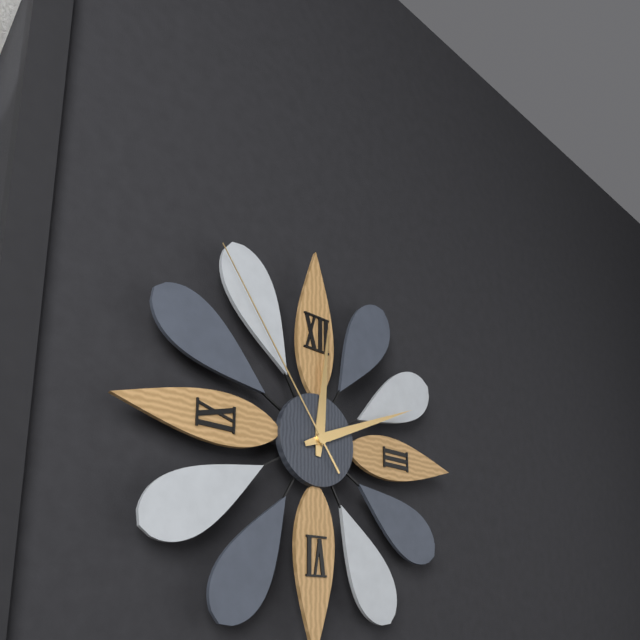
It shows {"hour": 12, "minute": 11, "second": 54}
